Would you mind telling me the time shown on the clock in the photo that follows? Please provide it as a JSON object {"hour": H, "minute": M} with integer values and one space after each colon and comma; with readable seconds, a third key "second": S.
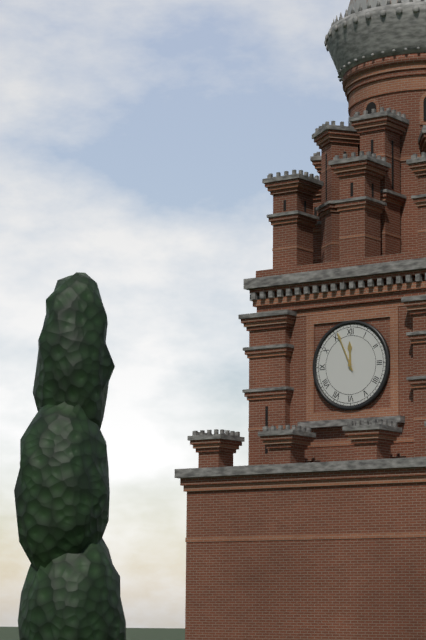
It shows {"hour": 11, "minute": 56}
